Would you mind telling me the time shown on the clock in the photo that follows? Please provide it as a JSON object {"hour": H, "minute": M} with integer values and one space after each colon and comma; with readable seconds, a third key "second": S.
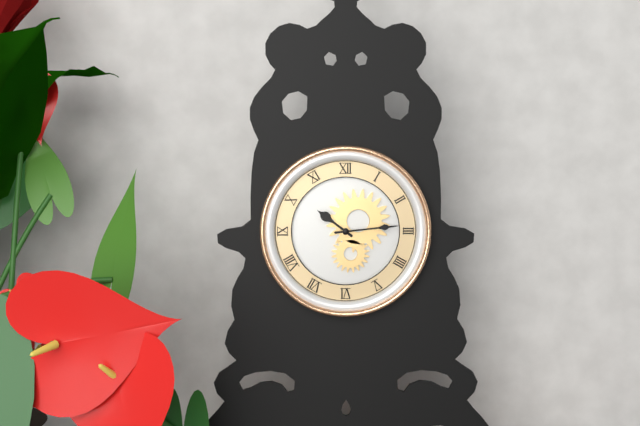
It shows {"hour": 10, "minute": 14}
